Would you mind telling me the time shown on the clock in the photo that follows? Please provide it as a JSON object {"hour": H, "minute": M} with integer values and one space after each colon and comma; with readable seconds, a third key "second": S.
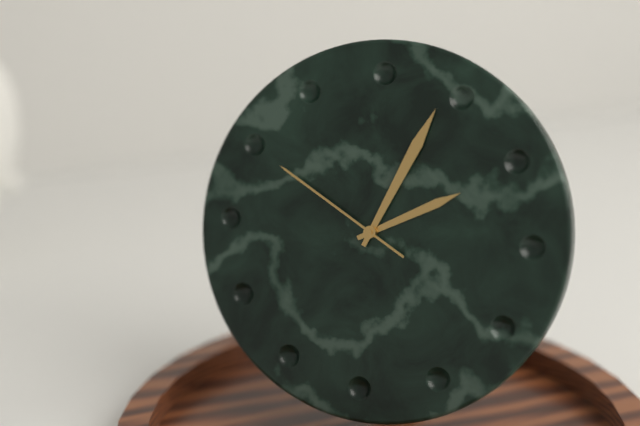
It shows {"hour": 2, "minute": 4, "second": 50}
